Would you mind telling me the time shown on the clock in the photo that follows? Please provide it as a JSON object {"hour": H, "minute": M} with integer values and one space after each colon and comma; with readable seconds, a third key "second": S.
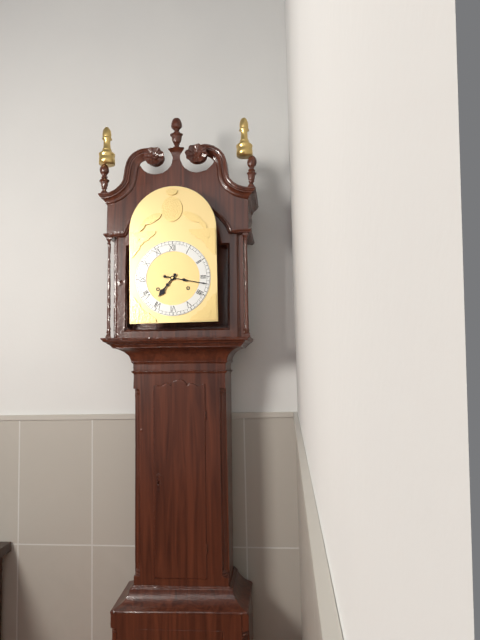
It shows {"hour": 7, "minute": 17}
